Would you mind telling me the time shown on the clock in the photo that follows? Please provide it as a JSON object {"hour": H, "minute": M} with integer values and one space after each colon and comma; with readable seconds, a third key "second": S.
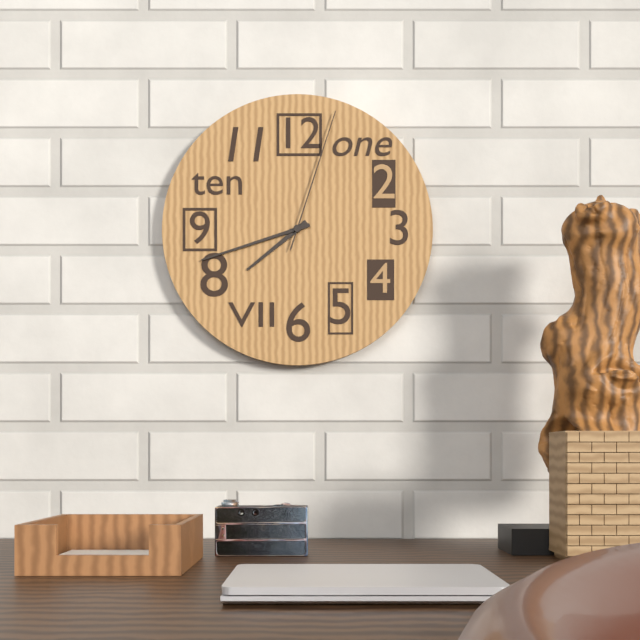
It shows {"hour": 7, "minute": 42, "second": 3}
